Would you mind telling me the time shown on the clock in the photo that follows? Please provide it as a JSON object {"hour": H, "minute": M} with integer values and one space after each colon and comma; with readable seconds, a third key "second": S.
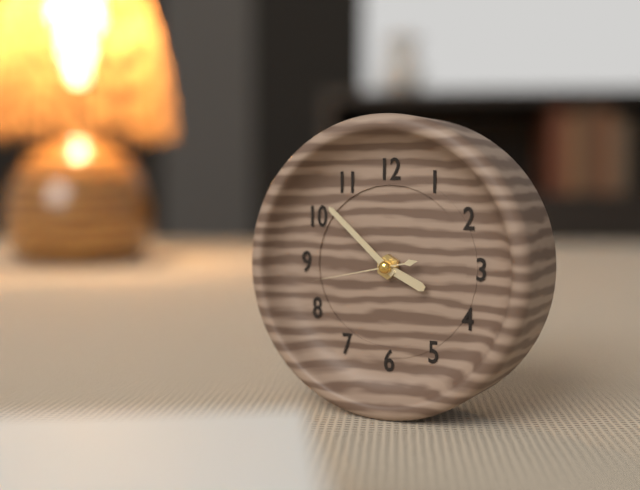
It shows {"hour": 3, "minute": 52, "second": 43}
